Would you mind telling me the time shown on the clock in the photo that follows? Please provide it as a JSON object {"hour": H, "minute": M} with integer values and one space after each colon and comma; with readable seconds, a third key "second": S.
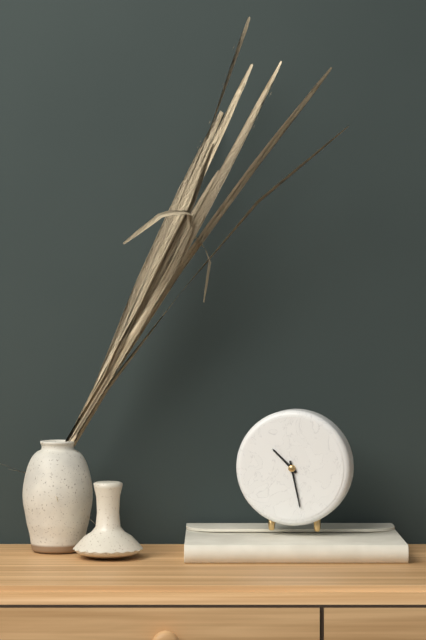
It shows {"hour": 10, "minute": 28}
